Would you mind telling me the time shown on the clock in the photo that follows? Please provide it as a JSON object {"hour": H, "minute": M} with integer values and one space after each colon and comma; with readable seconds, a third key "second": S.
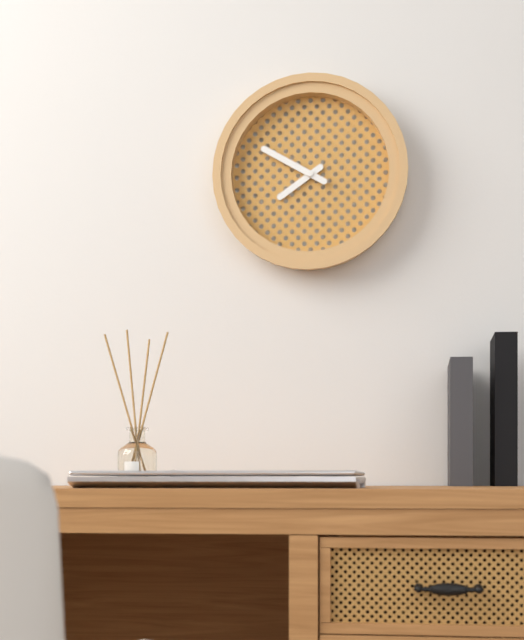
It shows {"hour": 7, "minute": 50}
